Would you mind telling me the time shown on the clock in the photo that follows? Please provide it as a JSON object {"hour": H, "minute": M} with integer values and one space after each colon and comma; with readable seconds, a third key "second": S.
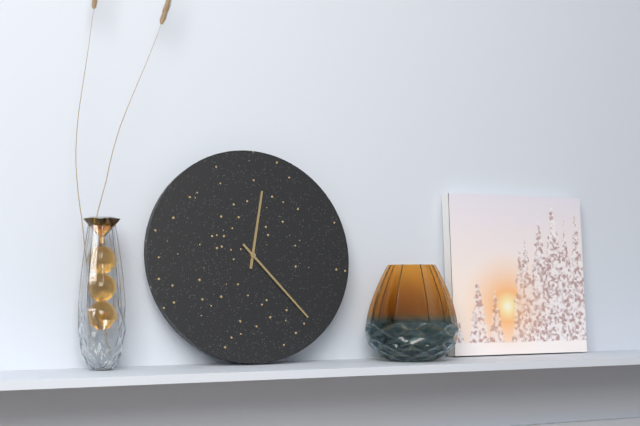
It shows {"hour": 12, "minute": 23}
